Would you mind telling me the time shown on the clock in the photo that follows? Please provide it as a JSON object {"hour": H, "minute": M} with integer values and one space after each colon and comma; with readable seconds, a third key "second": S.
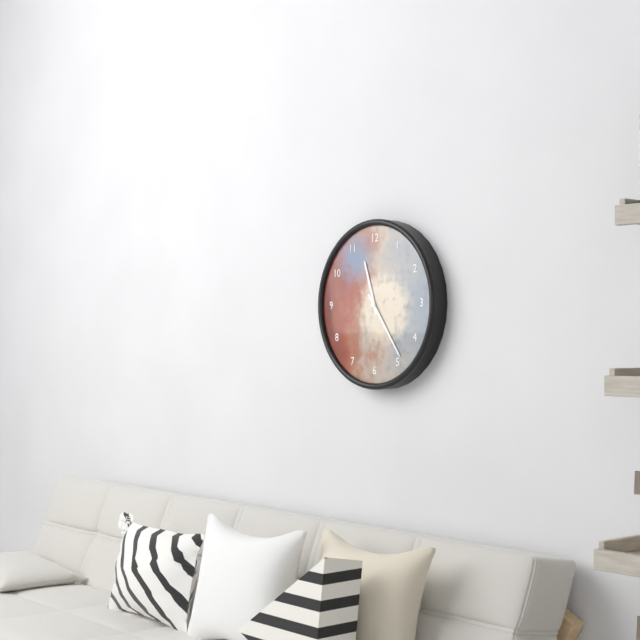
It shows {"hour": 11, "minute": 24}
